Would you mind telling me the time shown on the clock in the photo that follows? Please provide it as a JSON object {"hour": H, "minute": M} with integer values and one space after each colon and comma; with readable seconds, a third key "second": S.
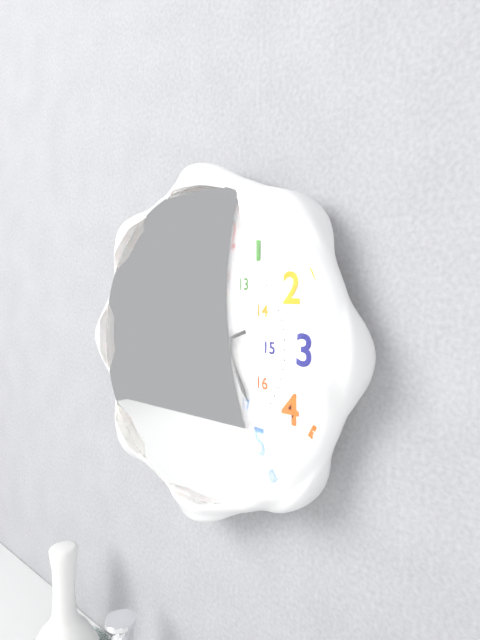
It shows {"hour": 4, "minute": 42, "second": 42}
